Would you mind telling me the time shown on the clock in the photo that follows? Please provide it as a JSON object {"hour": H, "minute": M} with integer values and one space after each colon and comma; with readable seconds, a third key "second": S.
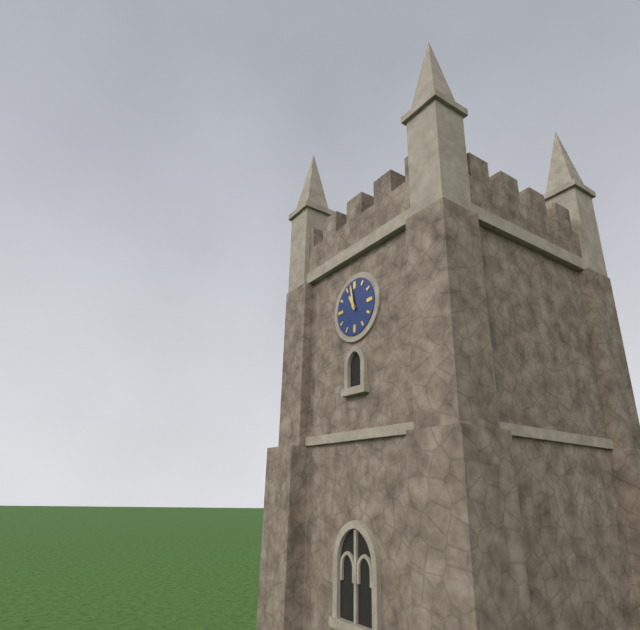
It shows {"hour": 10, "minute": 58}
